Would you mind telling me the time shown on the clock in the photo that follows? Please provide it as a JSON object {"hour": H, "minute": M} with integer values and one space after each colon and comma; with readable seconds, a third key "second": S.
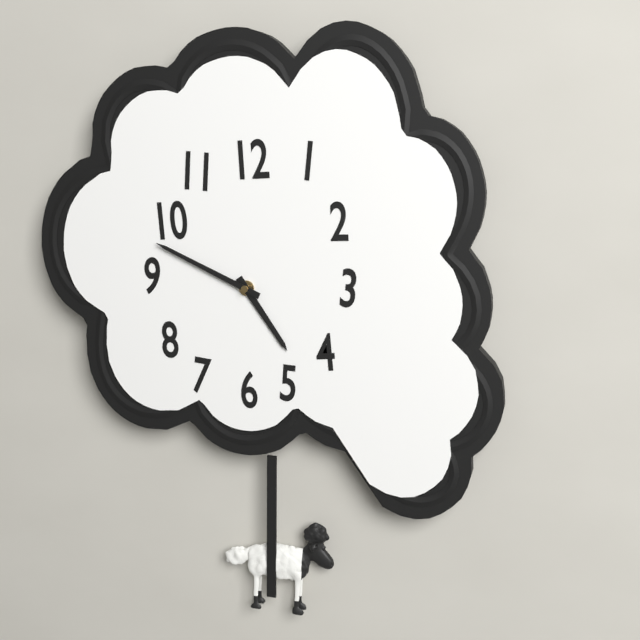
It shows {"hour": 4, "minute": 49}
